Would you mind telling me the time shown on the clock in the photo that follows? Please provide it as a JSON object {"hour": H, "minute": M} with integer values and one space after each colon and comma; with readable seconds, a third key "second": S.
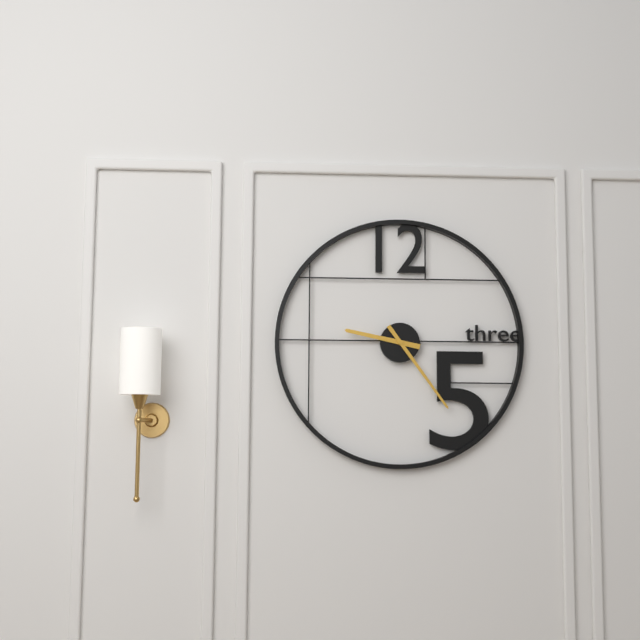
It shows {"hour": 9, "minute": 24}
